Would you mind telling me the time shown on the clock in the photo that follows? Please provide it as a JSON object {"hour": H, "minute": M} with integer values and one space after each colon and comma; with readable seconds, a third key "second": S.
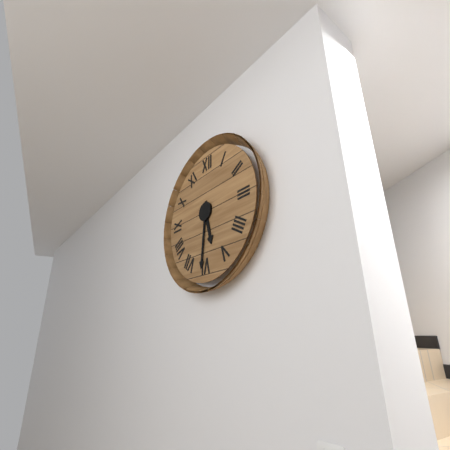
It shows {"hour": 5, "minute": 31}
